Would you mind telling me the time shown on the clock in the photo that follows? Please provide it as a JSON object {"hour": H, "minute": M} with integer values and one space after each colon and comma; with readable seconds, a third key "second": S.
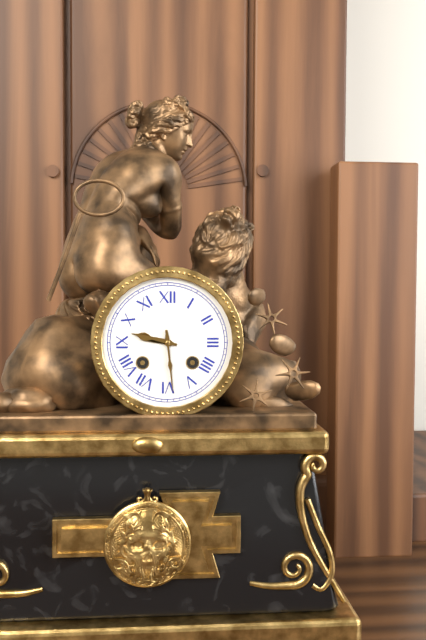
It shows {"hour": 9, "minute": 29}
